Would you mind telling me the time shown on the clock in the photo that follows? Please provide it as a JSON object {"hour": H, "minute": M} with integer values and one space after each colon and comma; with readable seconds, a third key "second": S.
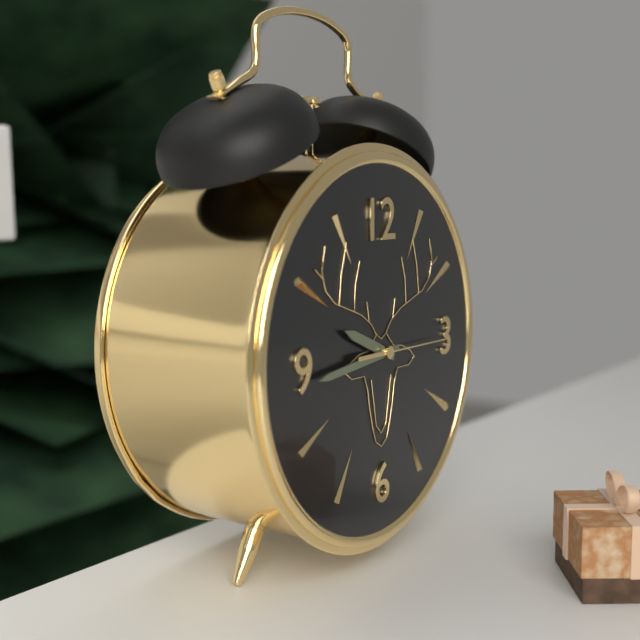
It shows {"hour": 9, "minute": 44, "second": 15}
